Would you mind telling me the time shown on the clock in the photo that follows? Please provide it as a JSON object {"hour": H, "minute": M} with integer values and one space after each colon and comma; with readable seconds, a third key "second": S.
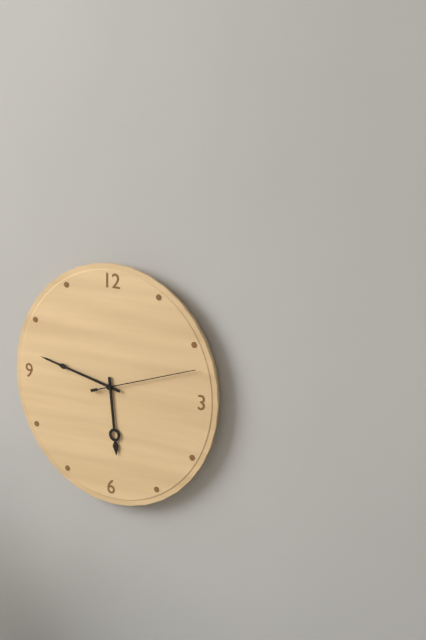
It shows {"hour": 5, "minute": 47, "second": 12}
